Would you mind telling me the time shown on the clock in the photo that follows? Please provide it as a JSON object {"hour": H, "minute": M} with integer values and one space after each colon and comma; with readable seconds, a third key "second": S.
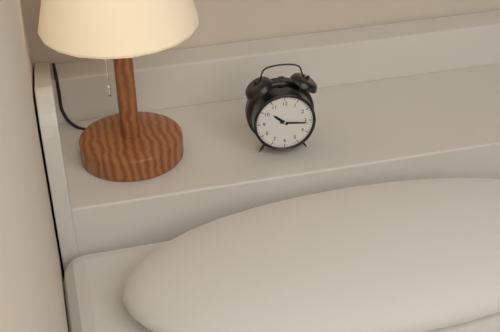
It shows {"hour": 10, "minute": 16}
